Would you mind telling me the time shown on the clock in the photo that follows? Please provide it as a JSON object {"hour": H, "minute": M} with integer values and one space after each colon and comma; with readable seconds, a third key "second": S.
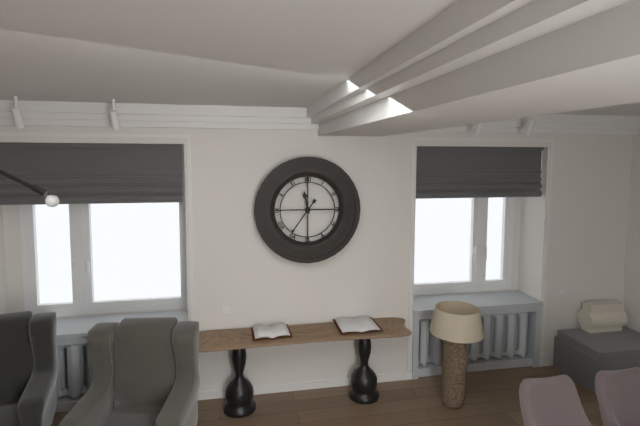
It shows {"hour": 11, "minute": 36}
